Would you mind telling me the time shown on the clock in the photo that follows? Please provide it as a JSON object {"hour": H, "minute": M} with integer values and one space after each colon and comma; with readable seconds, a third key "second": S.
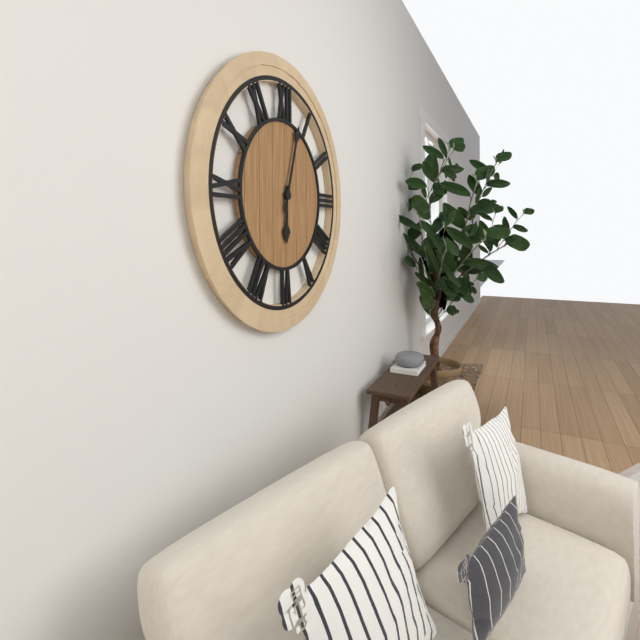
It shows {"hour": 6, "minute": 3}
